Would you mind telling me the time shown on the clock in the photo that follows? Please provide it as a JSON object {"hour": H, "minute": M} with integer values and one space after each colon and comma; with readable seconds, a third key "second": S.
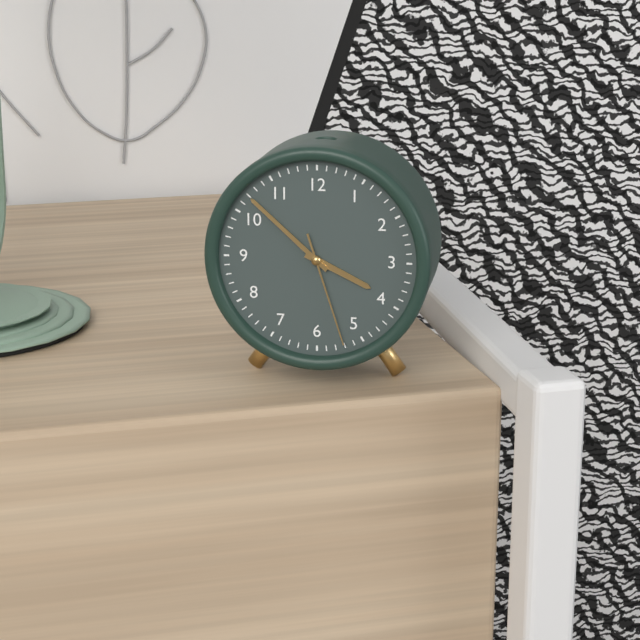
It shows {"hour": 3, "minute": 52, "second": 27}
